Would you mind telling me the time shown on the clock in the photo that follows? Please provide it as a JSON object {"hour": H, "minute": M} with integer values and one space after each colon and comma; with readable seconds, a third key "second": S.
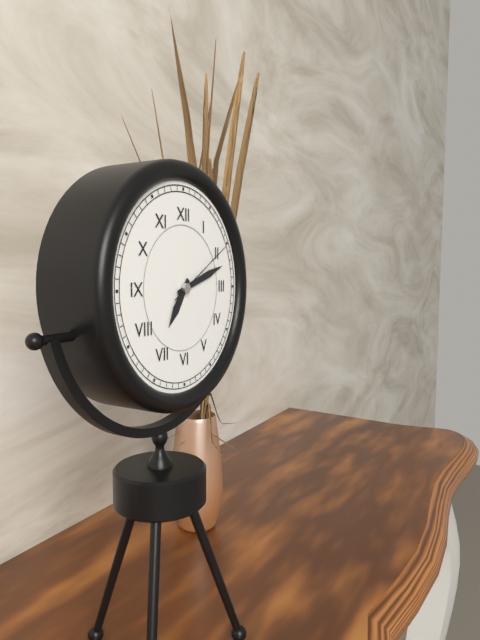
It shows {"hour": 7, "minute": 12, "second": 10}
